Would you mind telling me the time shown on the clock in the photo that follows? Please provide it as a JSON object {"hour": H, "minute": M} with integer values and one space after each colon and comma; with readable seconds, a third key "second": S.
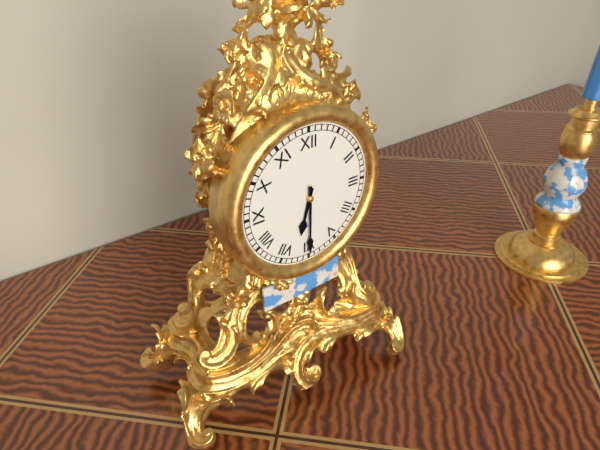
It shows {"hour": 6, "minute": 30}
